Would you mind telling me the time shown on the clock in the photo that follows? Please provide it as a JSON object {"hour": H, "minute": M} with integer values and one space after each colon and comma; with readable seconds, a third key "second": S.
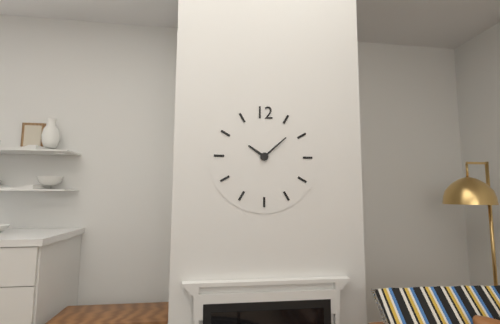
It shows {"hour": 10, "minute": 8}
